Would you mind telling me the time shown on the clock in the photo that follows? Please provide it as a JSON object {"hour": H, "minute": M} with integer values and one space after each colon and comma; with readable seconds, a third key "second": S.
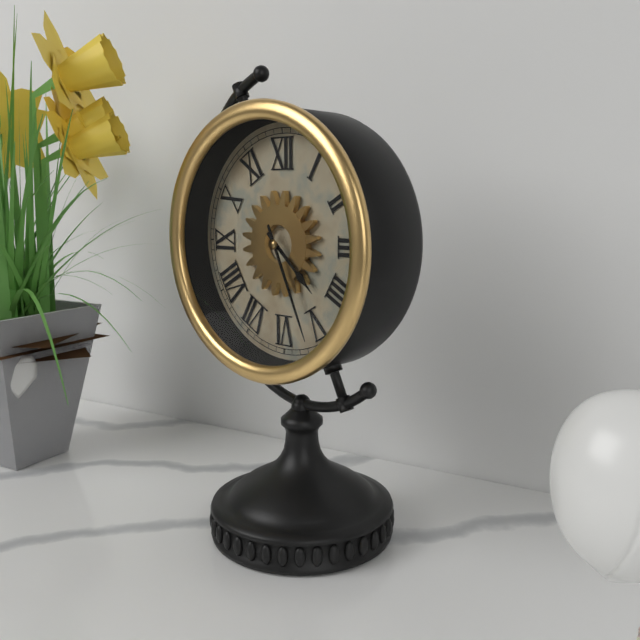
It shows {"hour": 4, "minute": 26}
